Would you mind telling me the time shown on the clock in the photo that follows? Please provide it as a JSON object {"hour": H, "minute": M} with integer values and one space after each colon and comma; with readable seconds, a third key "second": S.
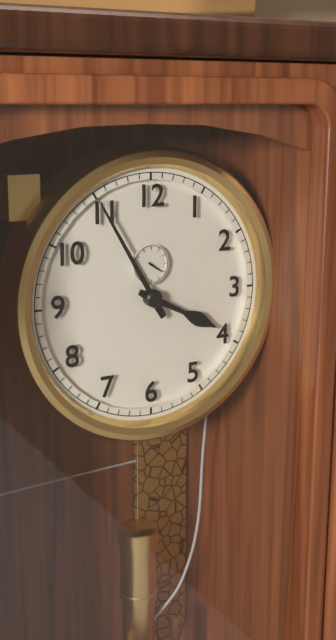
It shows {"hour": 3, "minute": 55}
